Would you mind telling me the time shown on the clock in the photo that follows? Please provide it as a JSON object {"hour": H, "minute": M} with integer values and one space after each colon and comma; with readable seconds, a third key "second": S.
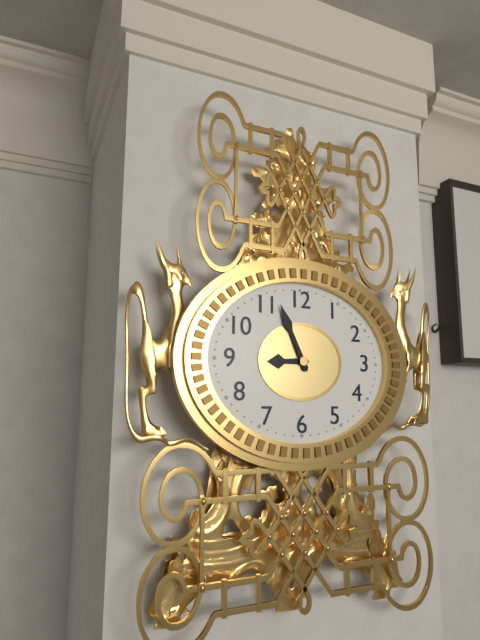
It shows {"hour": 8, "minute": 56}
